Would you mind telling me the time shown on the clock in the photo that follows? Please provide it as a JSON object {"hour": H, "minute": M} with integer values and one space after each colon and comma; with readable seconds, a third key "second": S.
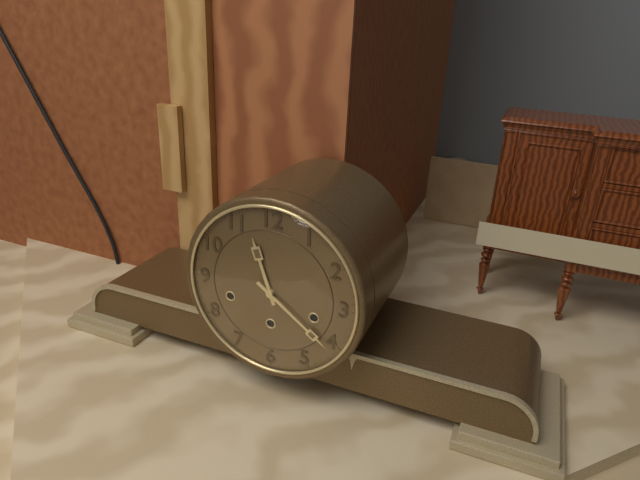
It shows {"hour": 11, "minute": 21}
